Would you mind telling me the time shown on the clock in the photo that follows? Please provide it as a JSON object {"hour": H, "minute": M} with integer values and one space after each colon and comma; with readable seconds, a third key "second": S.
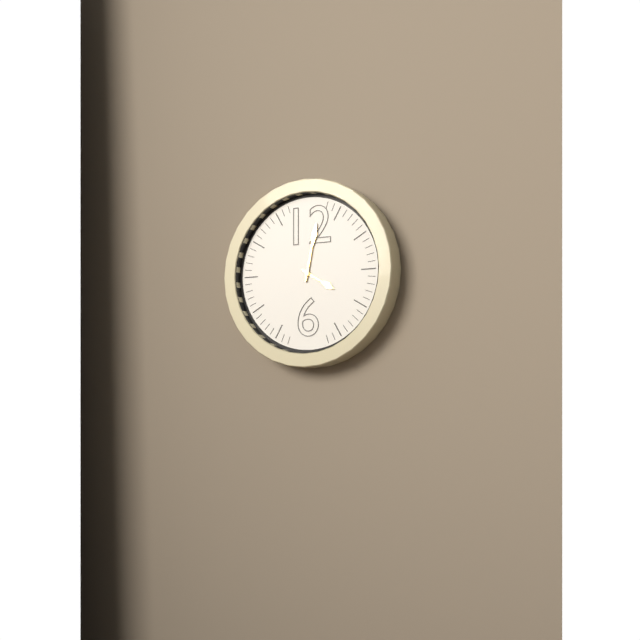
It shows {"hour": 4, "minute": 2}
